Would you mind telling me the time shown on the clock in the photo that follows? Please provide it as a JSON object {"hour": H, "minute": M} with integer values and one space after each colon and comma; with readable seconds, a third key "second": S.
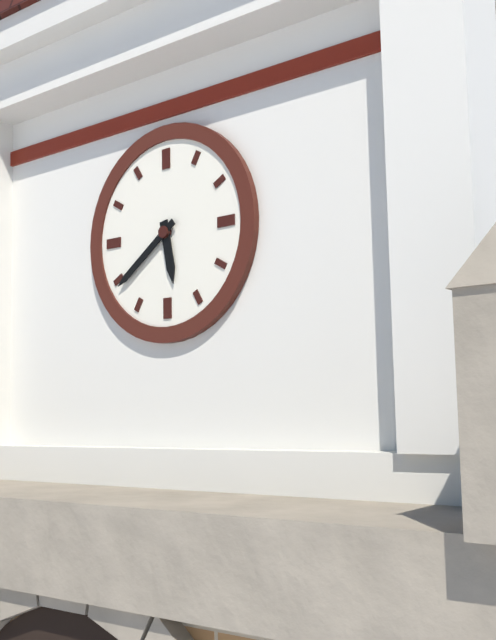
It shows {"hour": 5, "minute": 39}
